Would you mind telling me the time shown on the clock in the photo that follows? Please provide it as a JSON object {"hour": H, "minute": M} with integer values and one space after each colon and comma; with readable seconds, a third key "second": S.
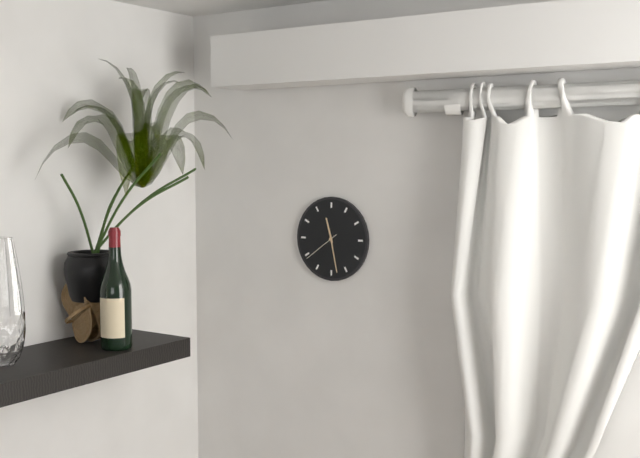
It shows {"hour": 11, "minute": 28}
